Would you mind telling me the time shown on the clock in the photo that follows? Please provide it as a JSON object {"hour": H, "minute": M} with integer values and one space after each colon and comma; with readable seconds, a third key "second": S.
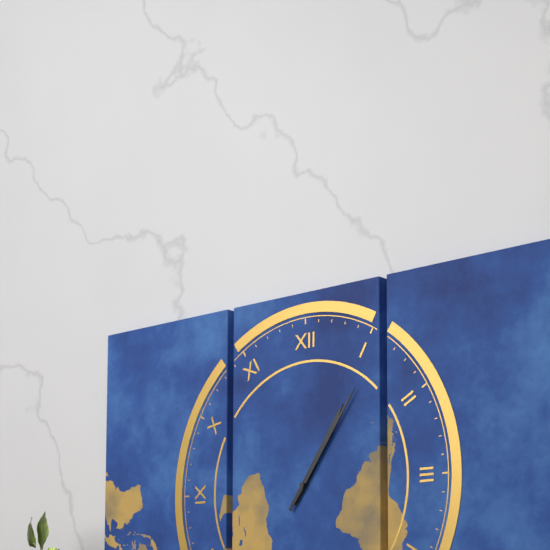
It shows {"hour": 1, "minute": 6}
